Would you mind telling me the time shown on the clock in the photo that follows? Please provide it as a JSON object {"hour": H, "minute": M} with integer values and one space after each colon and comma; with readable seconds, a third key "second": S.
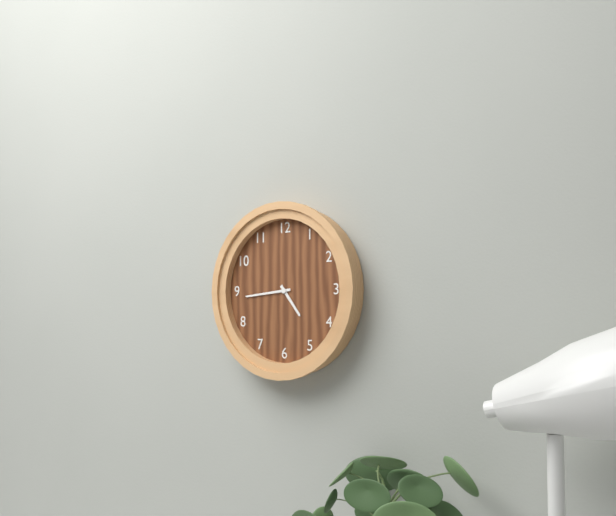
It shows {"hour": 4, "minute": 44}
